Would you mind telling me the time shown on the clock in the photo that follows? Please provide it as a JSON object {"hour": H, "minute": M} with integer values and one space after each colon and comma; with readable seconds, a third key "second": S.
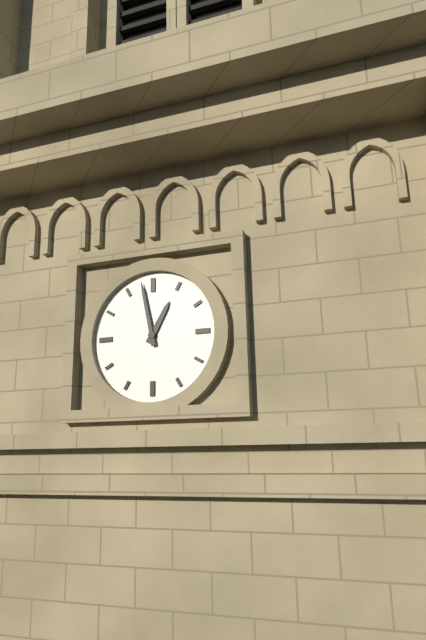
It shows {"hour": 12, "minute": 58}
